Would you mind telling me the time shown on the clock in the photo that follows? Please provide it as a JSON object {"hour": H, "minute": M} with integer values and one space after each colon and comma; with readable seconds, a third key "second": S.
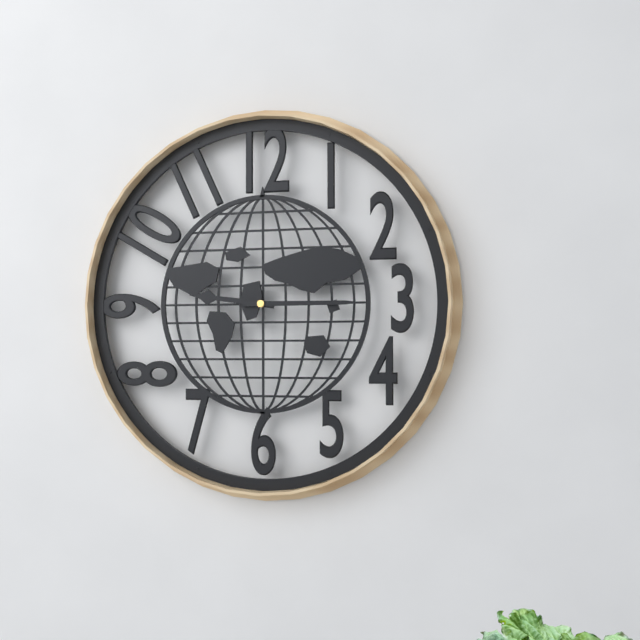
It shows {"hour": 9, "minute": 15}
